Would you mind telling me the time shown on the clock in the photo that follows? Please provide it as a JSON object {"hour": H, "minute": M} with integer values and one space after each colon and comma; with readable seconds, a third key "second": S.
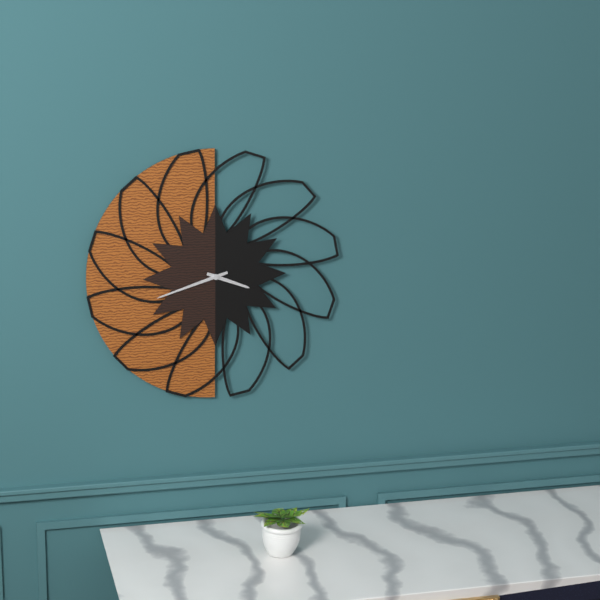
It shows {"hour": 3, "minute": 42}
